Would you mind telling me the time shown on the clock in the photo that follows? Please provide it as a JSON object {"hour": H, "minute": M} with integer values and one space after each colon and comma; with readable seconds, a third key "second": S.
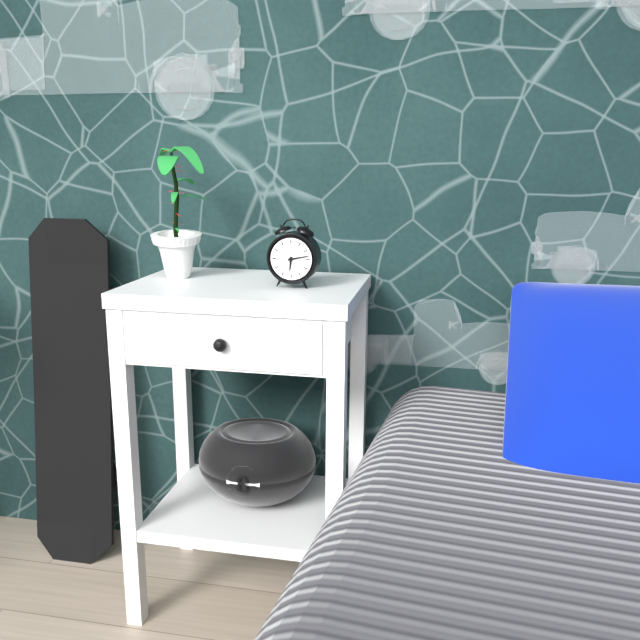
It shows {"hour": 6, "minute": 13}
